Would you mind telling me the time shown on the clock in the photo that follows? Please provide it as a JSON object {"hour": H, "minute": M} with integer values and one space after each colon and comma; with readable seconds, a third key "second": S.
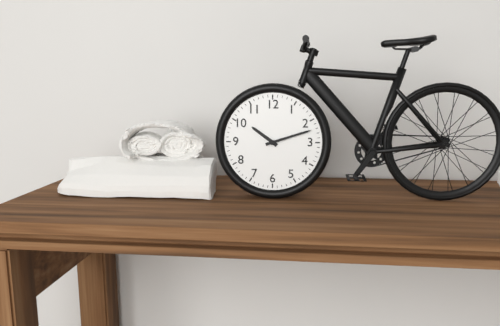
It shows {"hour": 10, "minute": 12}
